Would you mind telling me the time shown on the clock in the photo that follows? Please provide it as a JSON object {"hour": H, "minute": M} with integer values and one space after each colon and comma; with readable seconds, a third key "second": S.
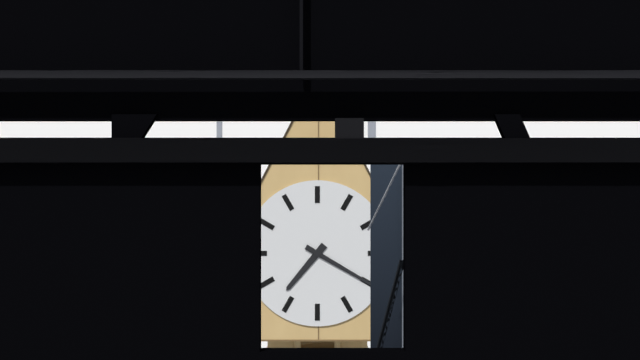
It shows {"hour": 7, "minute": 20}
